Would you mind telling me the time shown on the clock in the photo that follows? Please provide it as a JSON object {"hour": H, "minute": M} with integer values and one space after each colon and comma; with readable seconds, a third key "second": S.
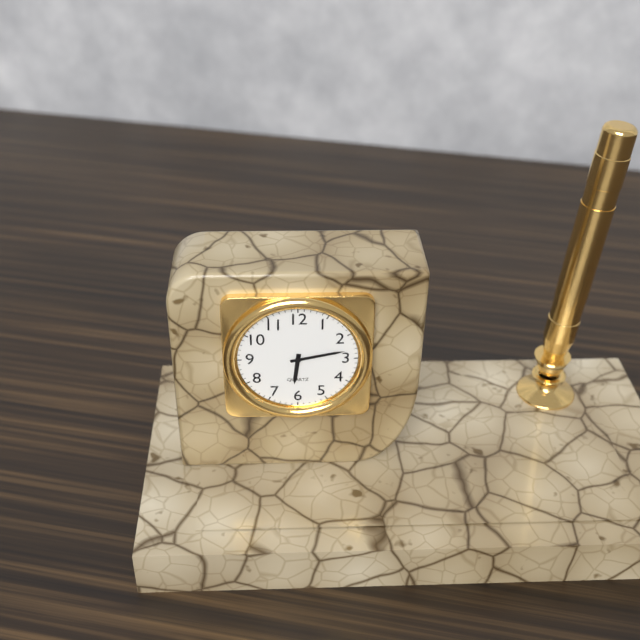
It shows {"hour": 6, "minute": 13}
